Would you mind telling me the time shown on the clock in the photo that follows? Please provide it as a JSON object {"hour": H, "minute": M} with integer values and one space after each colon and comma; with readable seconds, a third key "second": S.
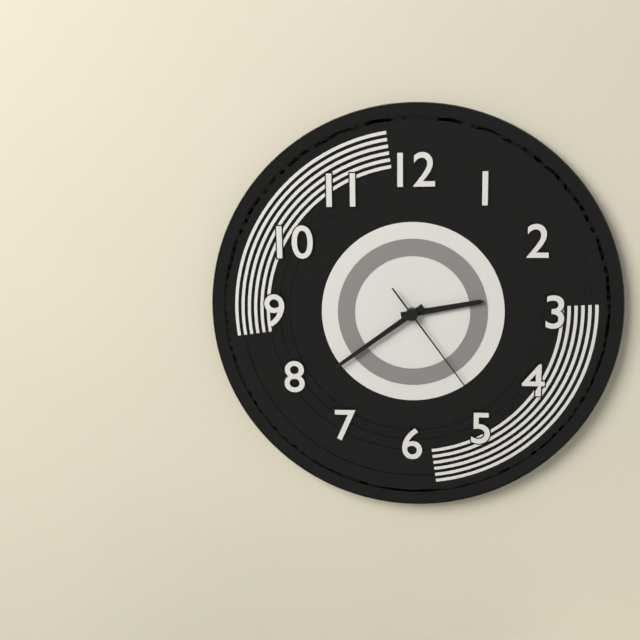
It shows {"hour": 2, "minute": 39, "second": 24}
